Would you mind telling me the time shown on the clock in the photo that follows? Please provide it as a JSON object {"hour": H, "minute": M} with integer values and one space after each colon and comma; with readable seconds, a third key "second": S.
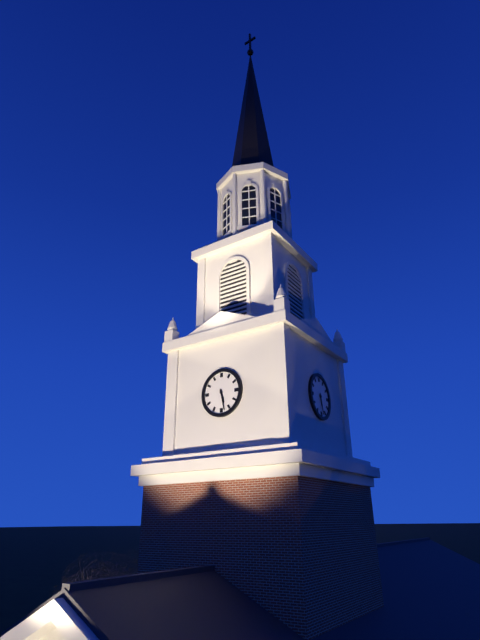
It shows {"hour": 5, "minute": 28}
